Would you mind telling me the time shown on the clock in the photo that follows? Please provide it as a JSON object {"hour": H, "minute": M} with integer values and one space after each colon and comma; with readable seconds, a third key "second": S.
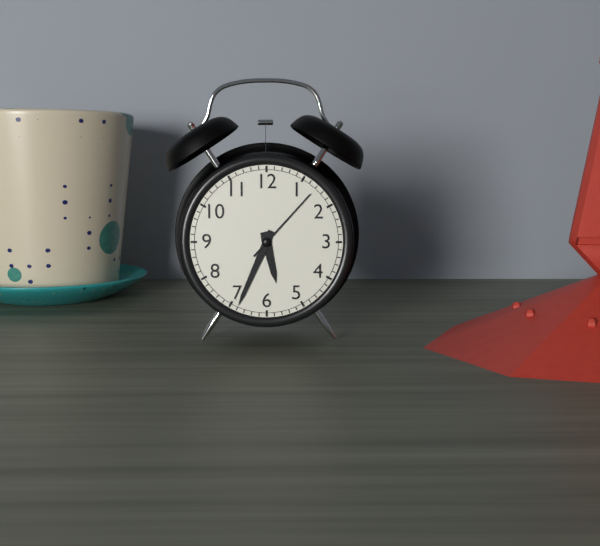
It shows {"hour": 5, "minute": 34, "second": 7}
